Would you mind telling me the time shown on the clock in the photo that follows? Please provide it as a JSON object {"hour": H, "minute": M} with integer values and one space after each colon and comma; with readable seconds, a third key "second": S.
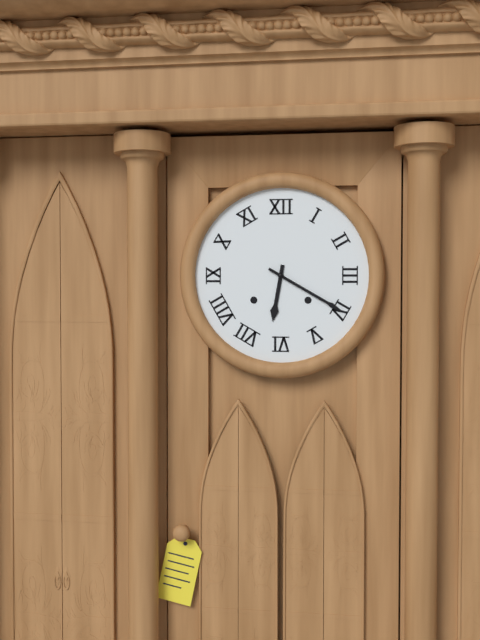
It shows {"hour": 6, "minute": 20}
